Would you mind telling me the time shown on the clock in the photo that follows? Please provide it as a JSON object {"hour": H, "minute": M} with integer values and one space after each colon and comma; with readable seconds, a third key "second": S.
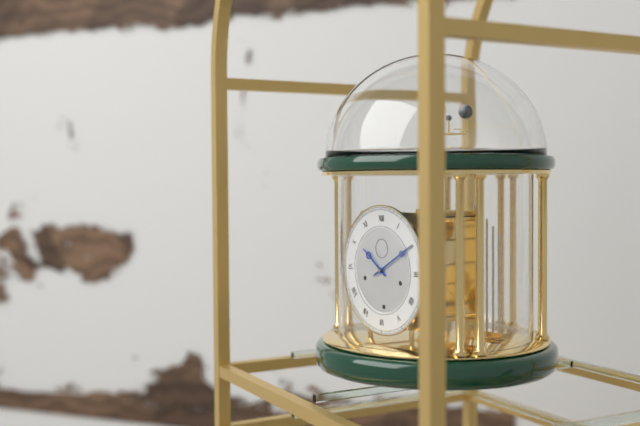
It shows {"hour": 10, "minute": 10}
